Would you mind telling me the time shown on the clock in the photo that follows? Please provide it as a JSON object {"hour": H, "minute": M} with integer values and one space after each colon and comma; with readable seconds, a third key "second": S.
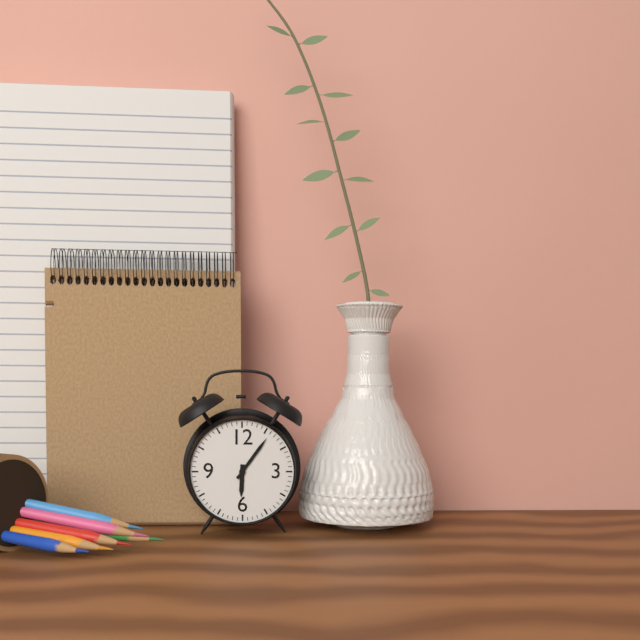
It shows {"hour": 6, "minute": 6}
